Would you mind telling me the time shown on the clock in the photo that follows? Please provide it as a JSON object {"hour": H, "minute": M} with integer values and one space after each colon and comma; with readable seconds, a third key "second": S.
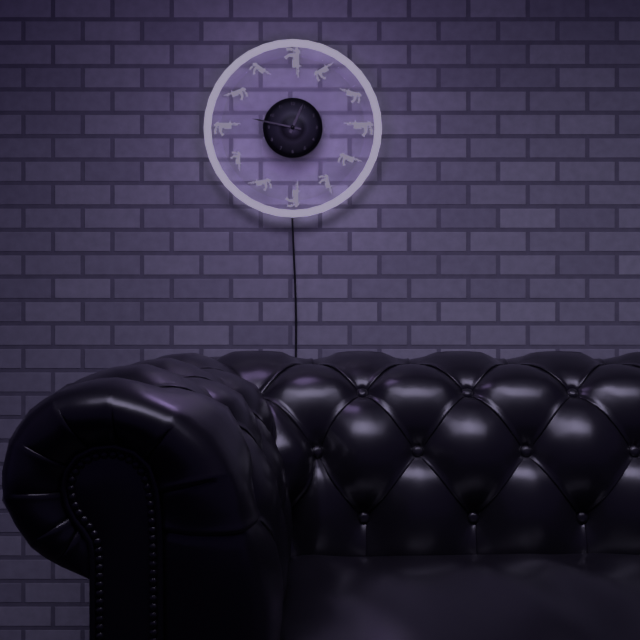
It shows {"hour": 12, "minute": 47}
